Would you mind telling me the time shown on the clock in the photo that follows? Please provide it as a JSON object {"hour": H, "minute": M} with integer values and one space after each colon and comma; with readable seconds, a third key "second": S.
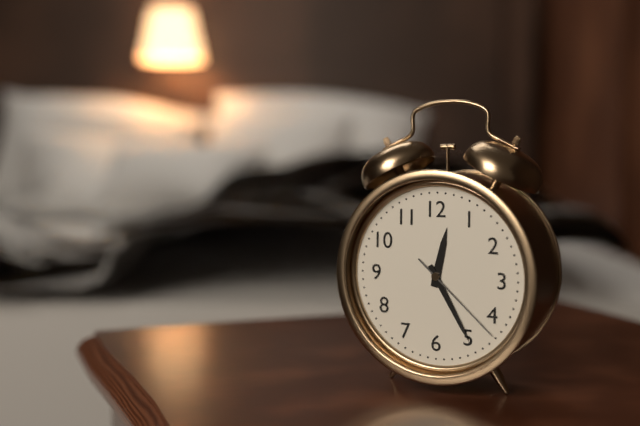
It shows {"hour": 12, "minute": 25, "second": 22}
